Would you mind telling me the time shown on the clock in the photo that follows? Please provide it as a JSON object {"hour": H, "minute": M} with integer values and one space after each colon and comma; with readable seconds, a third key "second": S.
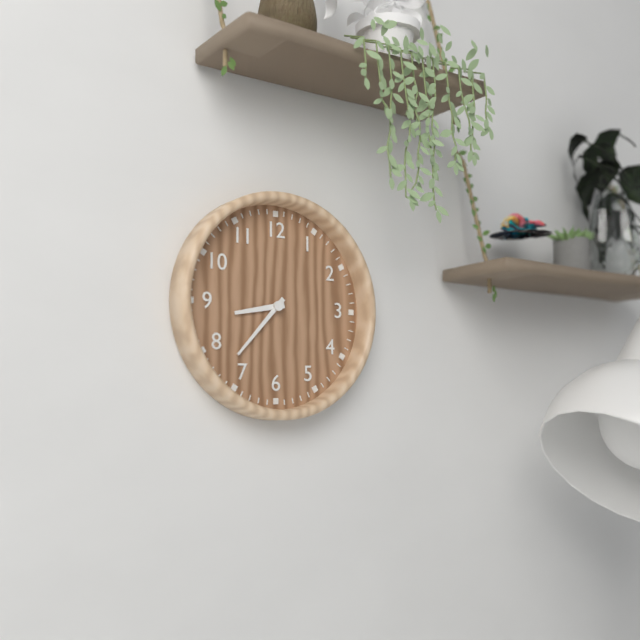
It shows {"hour": 8, "minute": 37}
